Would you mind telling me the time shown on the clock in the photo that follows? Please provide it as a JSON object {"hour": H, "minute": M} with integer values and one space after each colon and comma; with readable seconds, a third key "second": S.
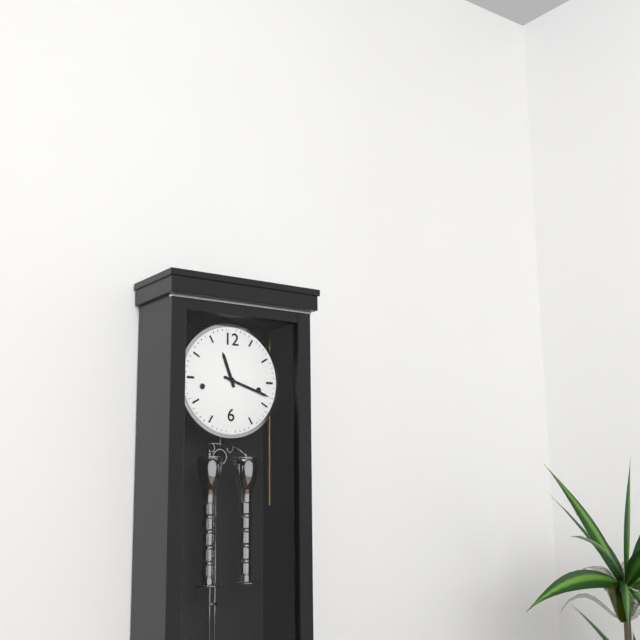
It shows {"hour": 11, "minute": 18}
